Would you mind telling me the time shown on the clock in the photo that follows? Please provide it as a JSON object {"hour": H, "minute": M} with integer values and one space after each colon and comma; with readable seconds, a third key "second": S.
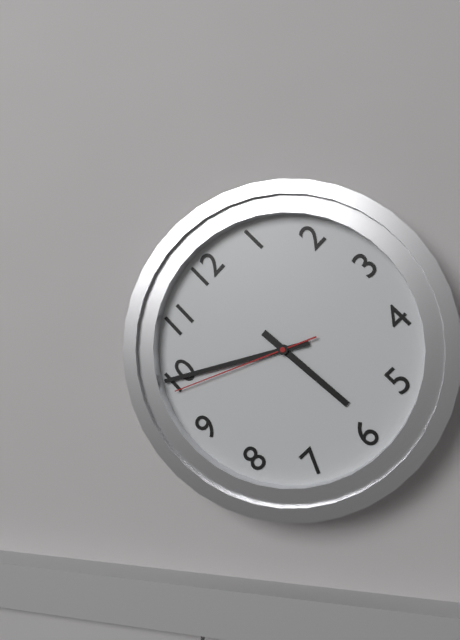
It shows {"hour": 5, "minute": 50, "second": 49}
